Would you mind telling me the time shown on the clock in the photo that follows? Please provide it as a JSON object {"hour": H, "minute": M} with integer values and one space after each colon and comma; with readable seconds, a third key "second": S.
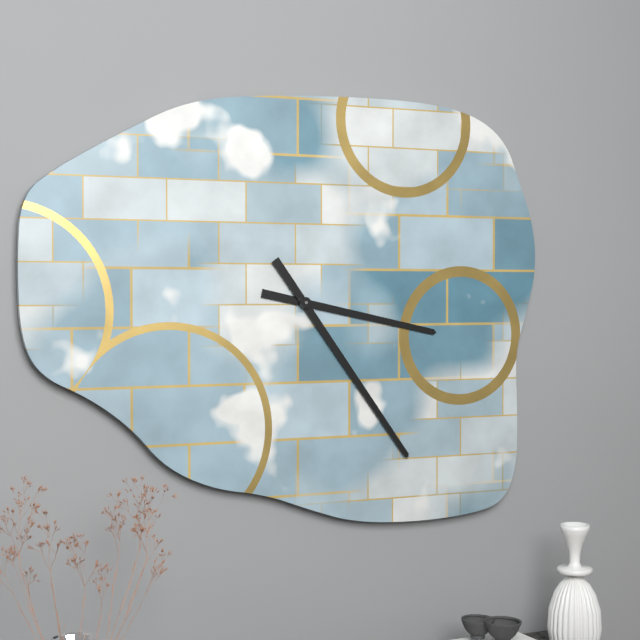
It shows {"hour": 3, "minute": 24}
